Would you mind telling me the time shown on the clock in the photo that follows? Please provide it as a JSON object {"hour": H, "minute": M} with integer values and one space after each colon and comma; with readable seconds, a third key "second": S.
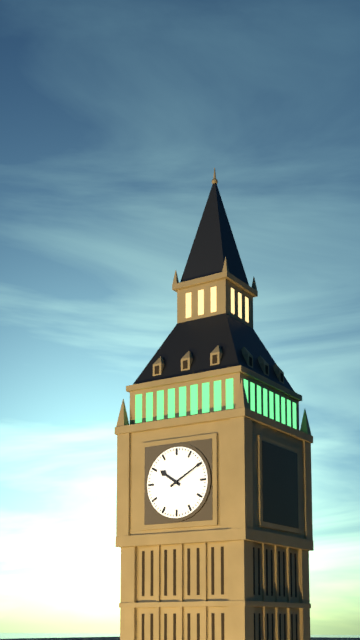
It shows {"hour": 10, "minute": 10}
